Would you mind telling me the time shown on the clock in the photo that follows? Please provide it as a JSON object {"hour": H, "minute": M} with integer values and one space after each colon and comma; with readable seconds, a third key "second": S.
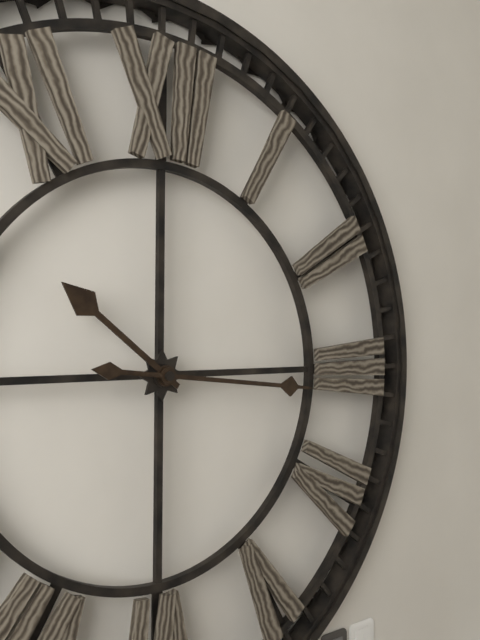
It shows {"hour": 10, "minute": 16}
